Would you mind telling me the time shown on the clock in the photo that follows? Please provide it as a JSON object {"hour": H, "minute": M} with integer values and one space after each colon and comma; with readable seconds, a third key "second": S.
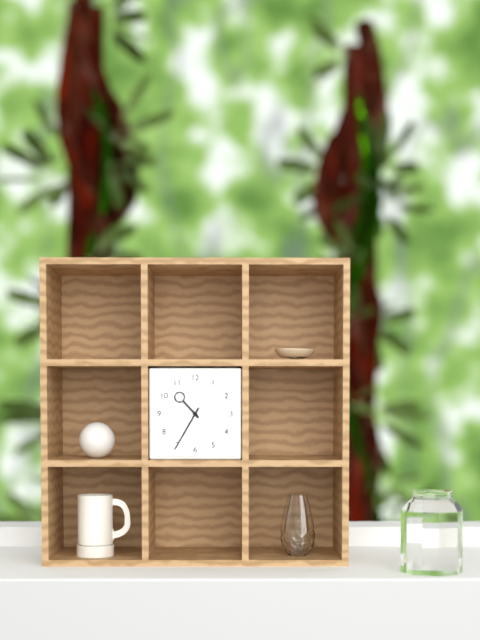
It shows {"hour": 10, "minute": 35}
